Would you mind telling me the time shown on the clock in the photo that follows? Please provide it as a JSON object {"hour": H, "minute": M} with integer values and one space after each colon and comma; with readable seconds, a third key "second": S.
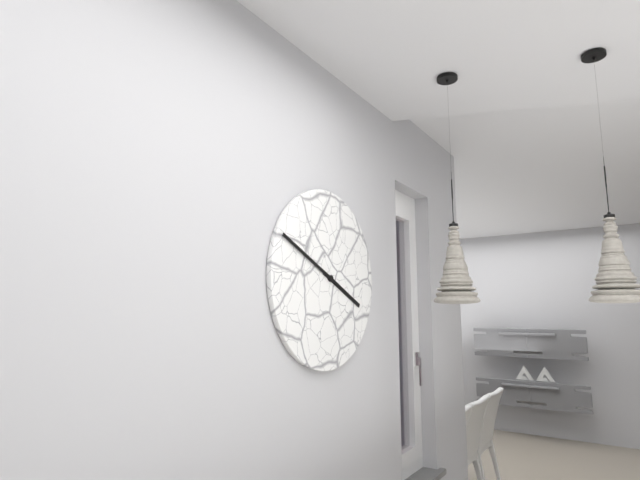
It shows {"hour": 3, "minute": 49}
